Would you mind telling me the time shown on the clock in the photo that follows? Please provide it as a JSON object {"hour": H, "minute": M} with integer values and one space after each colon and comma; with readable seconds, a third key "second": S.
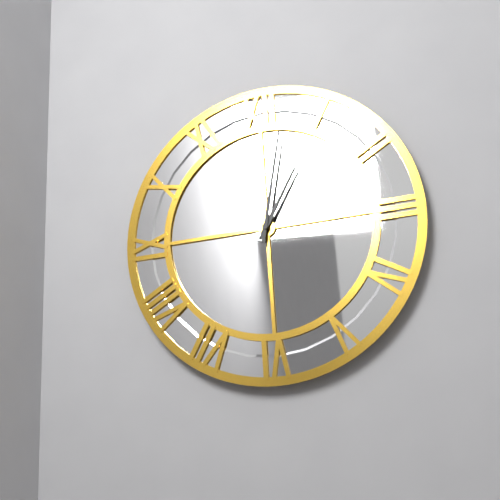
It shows {"hour": 1, "minute": 2}
